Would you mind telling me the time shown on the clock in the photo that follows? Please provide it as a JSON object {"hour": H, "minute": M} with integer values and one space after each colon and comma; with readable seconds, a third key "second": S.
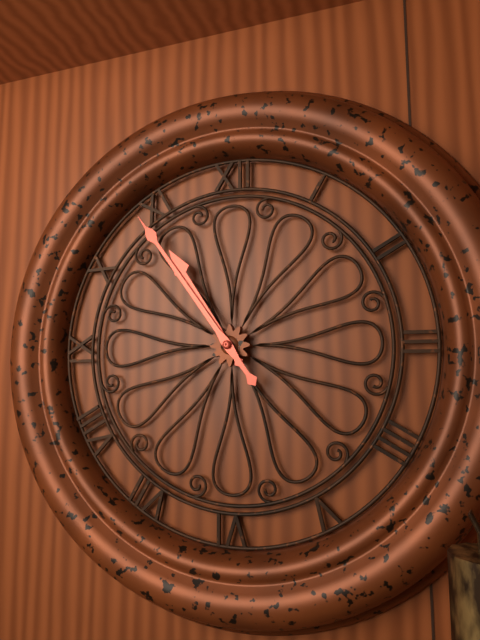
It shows {"hour": 10, "minute": 54}
